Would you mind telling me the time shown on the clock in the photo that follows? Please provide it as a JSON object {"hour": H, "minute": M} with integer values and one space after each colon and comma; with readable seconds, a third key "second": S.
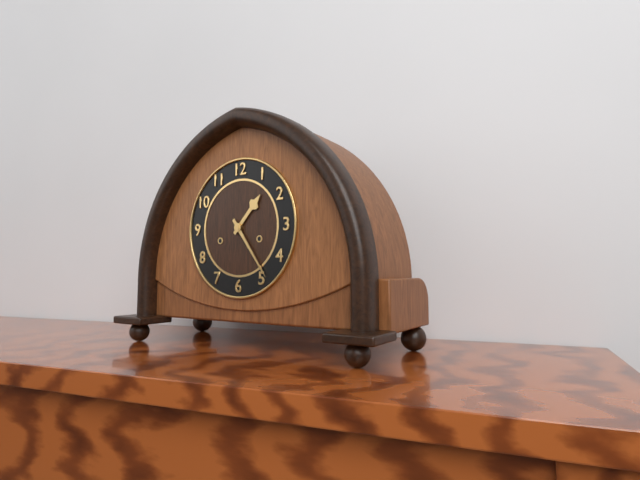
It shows {"hour": 1, "minute": 24}
